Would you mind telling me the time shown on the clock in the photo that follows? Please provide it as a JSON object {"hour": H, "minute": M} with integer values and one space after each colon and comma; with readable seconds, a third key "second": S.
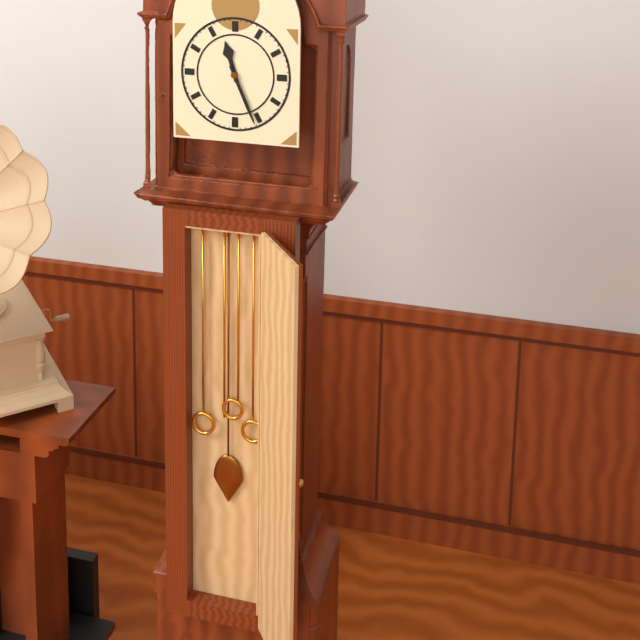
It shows {"hour": 11, "minute": 26}
